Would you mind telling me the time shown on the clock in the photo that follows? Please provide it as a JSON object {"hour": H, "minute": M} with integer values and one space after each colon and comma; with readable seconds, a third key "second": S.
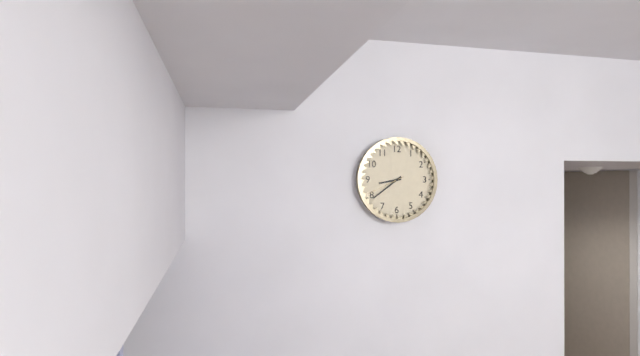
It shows {"hour": 8, "minute": 39}
